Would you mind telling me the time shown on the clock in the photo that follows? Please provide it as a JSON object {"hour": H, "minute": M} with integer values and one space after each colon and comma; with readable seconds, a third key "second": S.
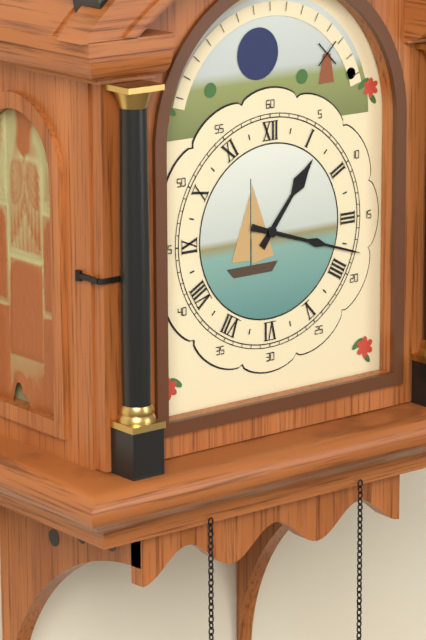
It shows {"hour": 1, "minute": 18}
